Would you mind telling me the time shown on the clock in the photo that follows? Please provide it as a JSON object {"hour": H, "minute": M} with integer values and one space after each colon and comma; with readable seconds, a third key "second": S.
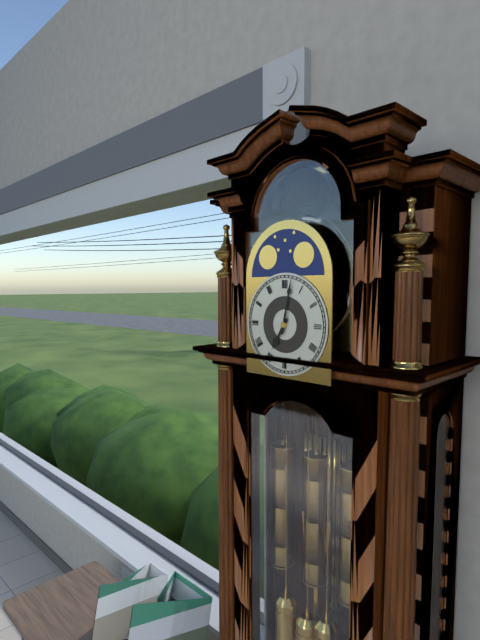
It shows {"hour": 7, "minute": 2}
